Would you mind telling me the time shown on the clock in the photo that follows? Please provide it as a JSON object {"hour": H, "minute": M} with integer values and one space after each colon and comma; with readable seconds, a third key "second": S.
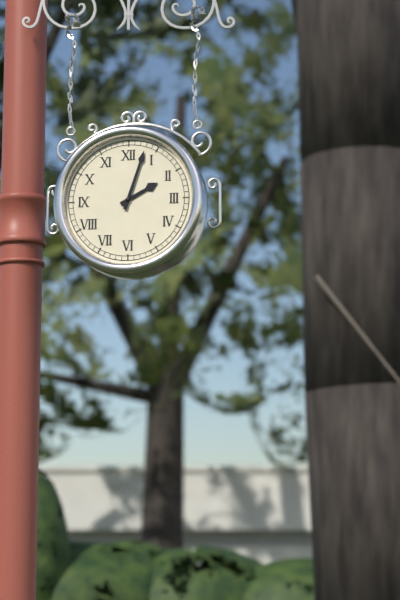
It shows {"hour": 2, "minute": 3}
